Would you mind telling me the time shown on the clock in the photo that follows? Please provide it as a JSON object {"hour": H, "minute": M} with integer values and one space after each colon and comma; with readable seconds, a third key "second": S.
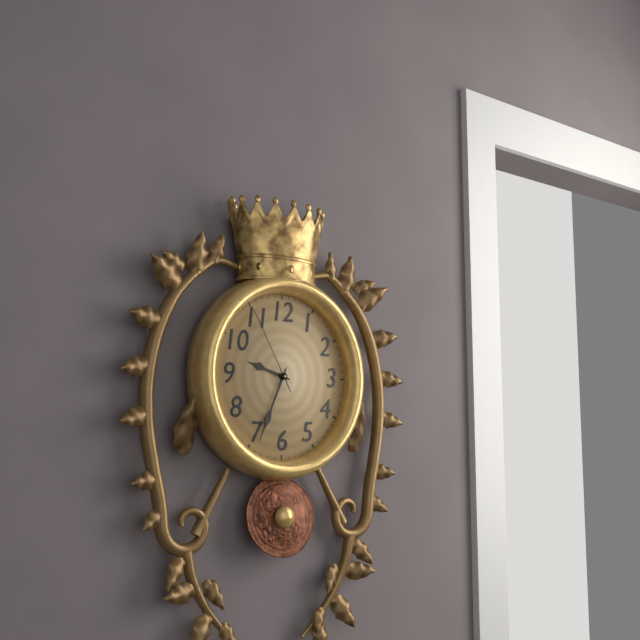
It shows {"hour": 9, "minute": 34, "second": 55}
